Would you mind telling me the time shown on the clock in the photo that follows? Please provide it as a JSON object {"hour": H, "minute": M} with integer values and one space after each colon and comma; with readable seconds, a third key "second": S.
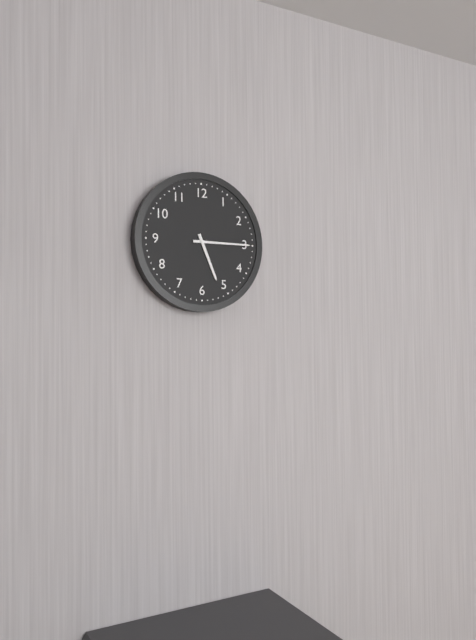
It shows {"hour": 5, "minute": 15}
